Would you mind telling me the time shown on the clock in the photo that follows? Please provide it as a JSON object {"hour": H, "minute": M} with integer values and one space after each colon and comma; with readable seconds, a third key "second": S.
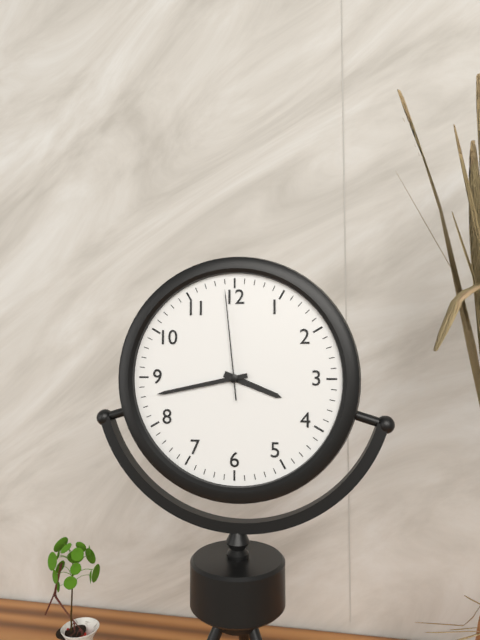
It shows {"hour": 3, "minute": 43, "second": 59}
